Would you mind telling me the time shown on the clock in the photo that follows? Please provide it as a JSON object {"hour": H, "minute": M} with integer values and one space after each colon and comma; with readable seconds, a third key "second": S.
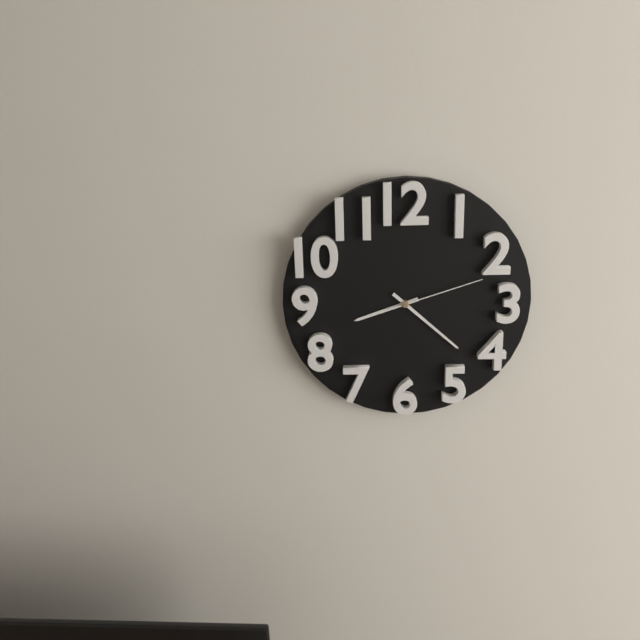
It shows {"hour": 8, "minute": 22, "second": 12}
